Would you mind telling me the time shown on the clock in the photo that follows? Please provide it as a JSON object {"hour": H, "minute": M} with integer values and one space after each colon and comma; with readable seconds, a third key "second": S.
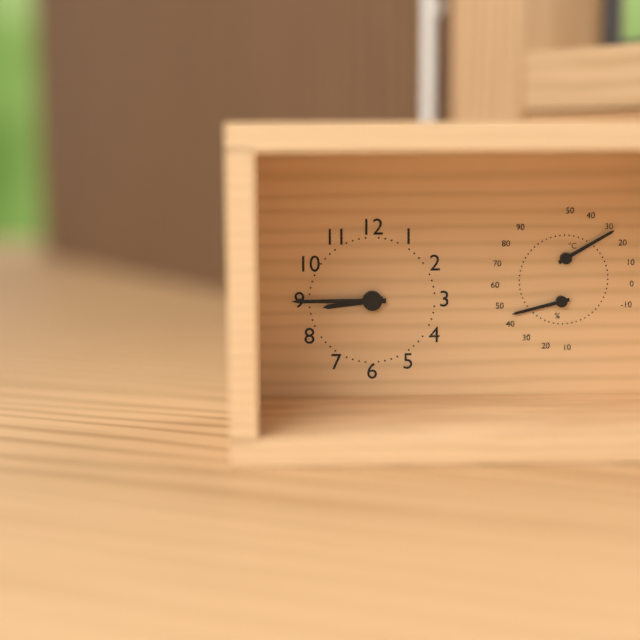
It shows {"hour": 8, "minute": 45}
